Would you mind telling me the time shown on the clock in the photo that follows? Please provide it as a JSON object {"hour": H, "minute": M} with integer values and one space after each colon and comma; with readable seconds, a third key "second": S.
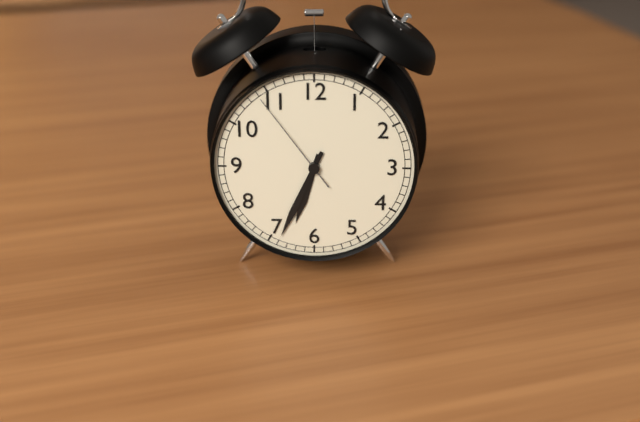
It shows {"hour": 6, "minute": 34, "second": 54}
